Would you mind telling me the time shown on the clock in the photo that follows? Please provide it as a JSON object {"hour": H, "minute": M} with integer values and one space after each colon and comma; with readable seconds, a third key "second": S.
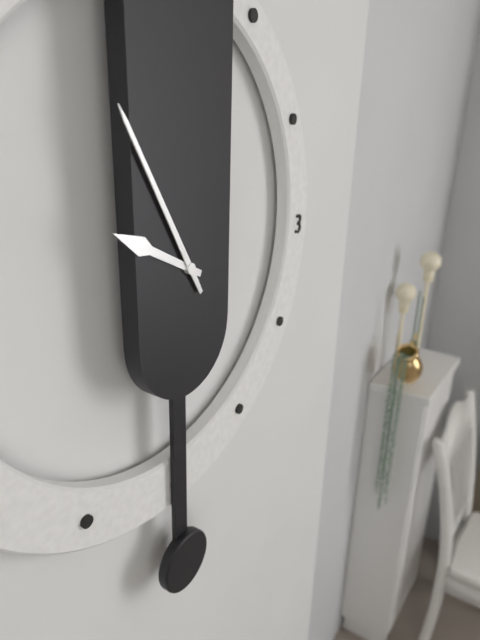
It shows {"hour": 9, "minute": 55}
